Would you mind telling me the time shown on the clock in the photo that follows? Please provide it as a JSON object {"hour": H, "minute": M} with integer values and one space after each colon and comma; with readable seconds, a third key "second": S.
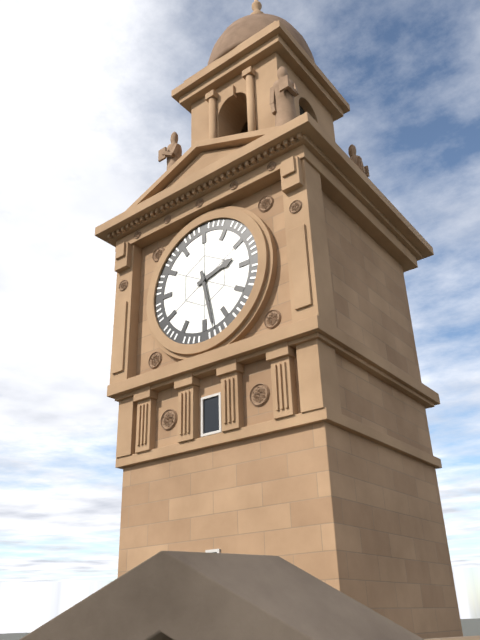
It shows {"hour": 2, "minute": 28}
